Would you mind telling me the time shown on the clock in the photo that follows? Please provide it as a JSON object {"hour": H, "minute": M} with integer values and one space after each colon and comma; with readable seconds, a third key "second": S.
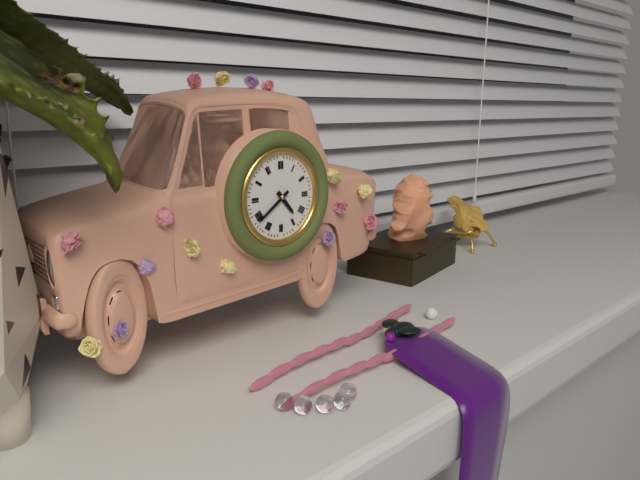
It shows {"hour": 4, "minute": 39}
